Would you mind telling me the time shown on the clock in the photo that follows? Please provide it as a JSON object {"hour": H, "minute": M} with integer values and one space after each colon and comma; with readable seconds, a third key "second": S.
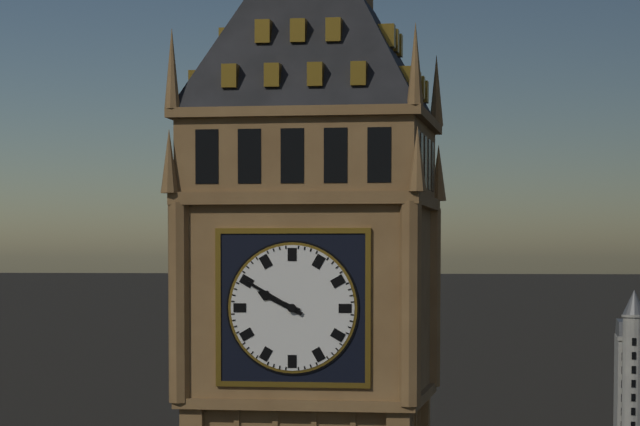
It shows {"hour": 9, "minute": 50}
